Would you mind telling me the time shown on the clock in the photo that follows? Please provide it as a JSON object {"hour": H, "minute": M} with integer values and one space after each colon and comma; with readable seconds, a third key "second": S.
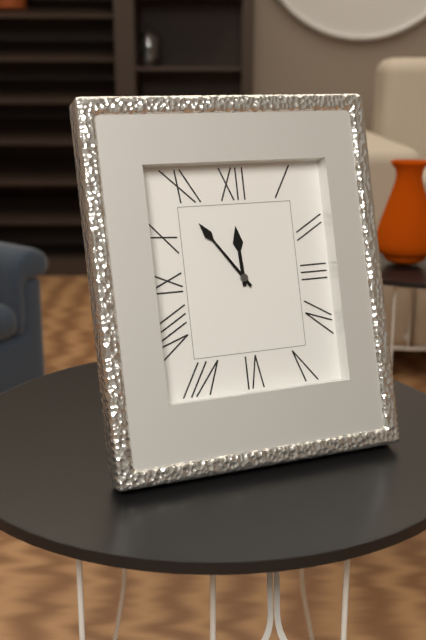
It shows {"hour": 11, "minute": 54}
